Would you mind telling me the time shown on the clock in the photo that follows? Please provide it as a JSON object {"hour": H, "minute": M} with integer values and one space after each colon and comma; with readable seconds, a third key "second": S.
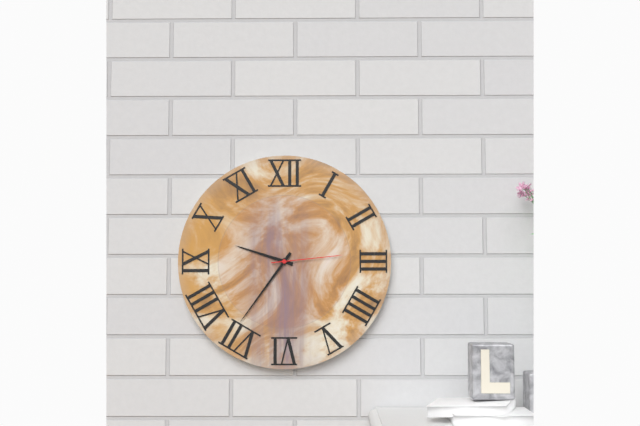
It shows {"hour": 9, "minute": 36, "second": 14}
